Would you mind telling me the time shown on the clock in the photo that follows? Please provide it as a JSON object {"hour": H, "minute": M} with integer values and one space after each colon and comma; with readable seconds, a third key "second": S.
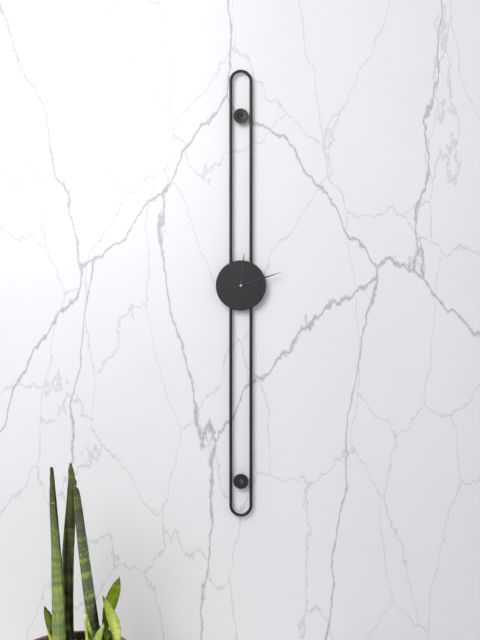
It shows {"hour": 12, "minute": 12}
